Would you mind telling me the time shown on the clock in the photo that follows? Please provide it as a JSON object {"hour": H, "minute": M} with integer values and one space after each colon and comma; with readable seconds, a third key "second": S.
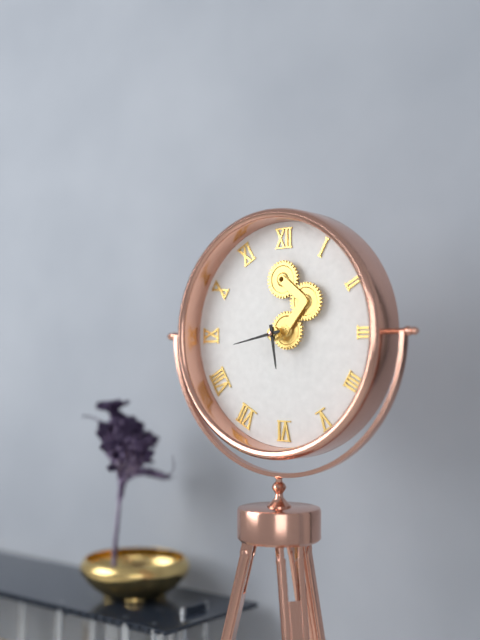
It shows {"hour": 5, "minute": 43}
